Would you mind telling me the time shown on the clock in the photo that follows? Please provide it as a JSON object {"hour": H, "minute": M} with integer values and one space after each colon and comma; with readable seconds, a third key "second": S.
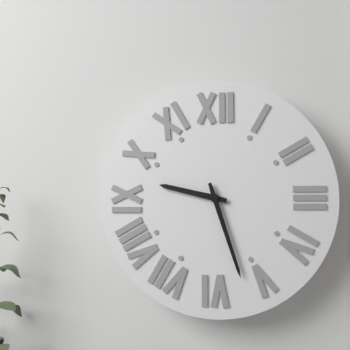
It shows {"hour": 9, "minute": 27}
